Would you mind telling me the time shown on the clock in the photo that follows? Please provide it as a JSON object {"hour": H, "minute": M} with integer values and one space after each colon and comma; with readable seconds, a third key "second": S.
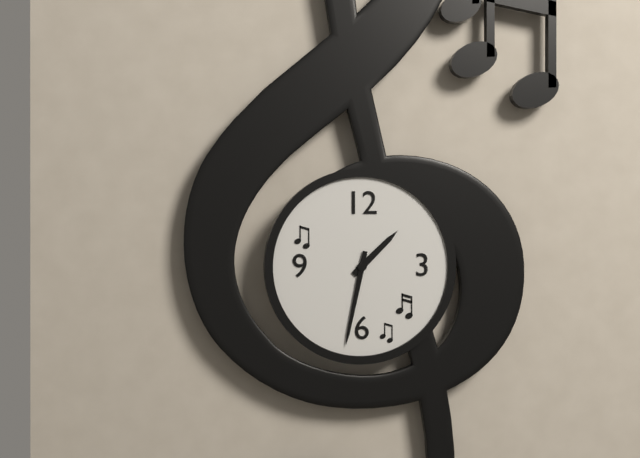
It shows {"hour": 1, "minute": 32}
